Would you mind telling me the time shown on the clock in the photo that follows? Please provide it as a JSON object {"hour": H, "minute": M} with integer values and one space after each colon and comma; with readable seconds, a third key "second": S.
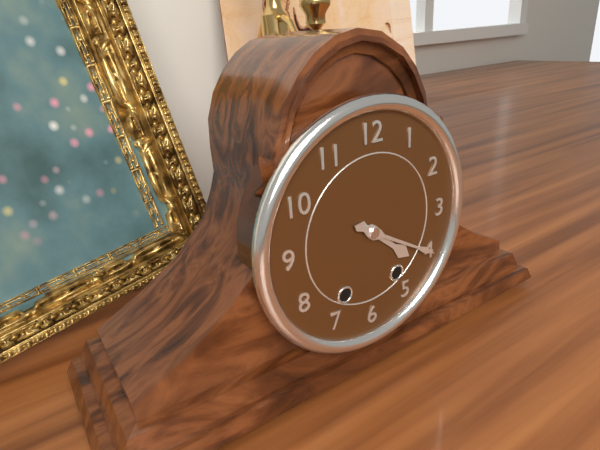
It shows {"hour": 4, "minute": 20}
